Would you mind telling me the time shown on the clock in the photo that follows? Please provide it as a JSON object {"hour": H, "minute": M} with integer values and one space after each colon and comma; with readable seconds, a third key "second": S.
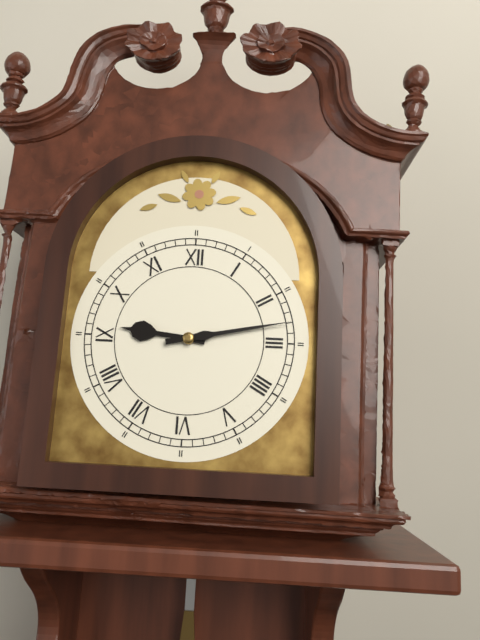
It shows {"hour": 9, "minute": 13}
